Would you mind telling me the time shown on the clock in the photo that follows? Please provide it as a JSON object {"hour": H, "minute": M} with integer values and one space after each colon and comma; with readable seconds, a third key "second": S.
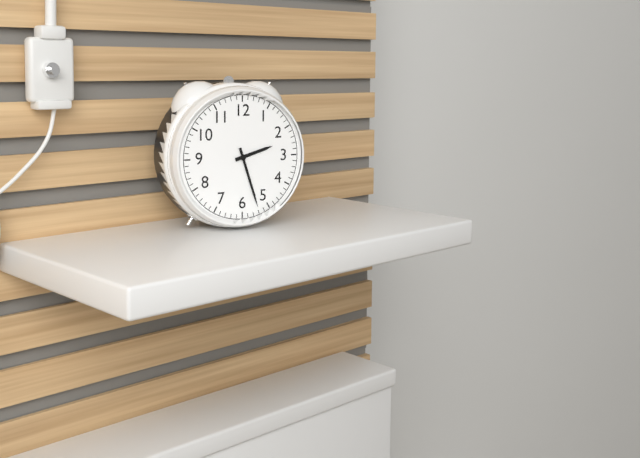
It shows {"hour": 2, "minute": 27}
